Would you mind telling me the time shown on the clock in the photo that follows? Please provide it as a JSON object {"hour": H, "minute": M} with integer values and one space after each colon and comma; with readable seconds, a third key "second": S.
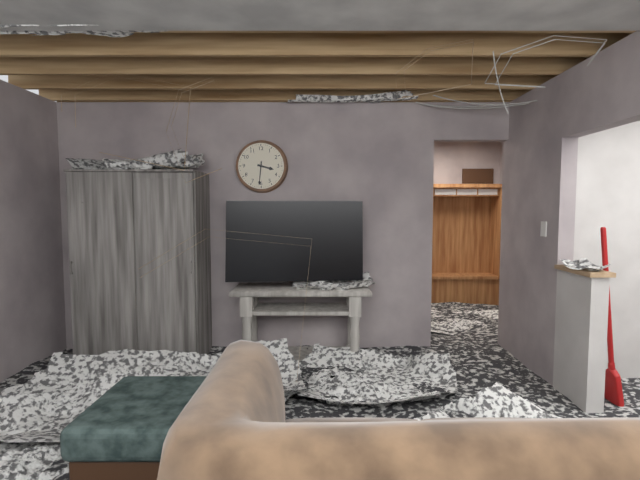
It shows {"hour": 3, "minute": 31}
